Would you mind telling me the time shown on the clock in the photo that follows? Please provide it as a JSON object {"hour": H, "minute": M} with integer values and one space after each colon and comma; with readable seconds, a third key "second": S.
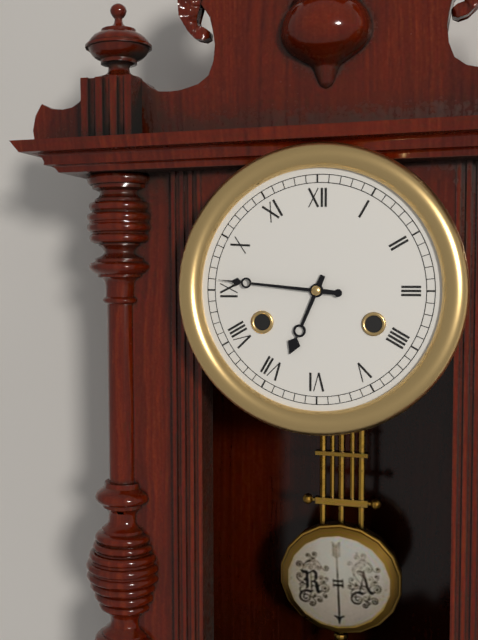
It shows {"hour": 6, "minute": 46}
